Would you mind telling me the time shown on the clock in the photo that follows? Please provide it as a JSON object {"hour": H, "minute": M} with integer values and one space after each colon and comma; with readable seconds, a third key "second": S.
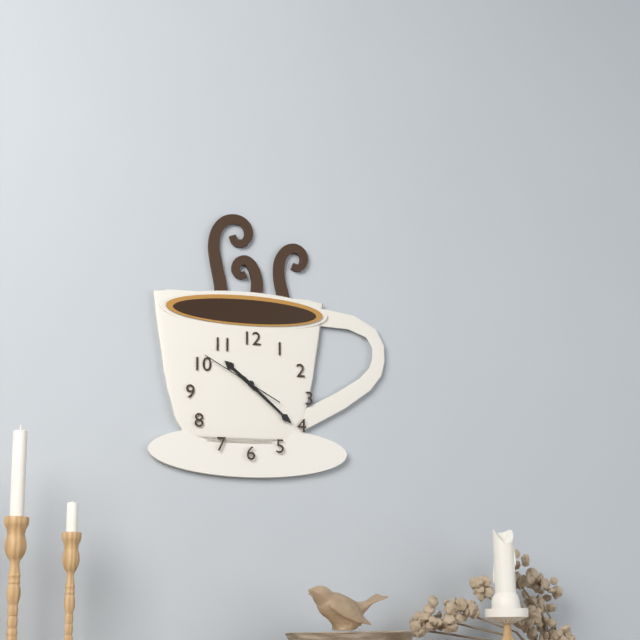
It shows {"hour": 10, "minute": 22, "second": 50}
